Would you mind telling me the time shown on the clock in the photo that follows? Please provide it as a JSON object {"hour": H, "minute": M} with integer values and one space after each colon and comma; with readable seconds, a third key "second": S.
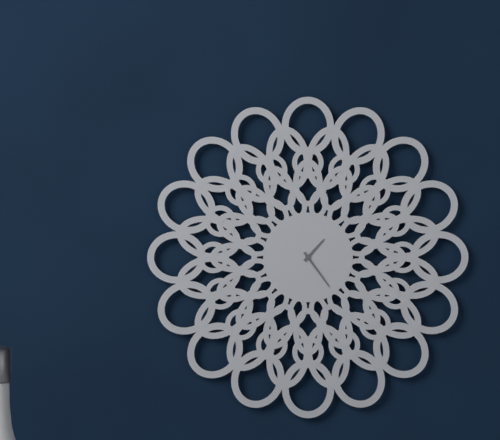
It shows {"hour": 1, "minute": 24}
